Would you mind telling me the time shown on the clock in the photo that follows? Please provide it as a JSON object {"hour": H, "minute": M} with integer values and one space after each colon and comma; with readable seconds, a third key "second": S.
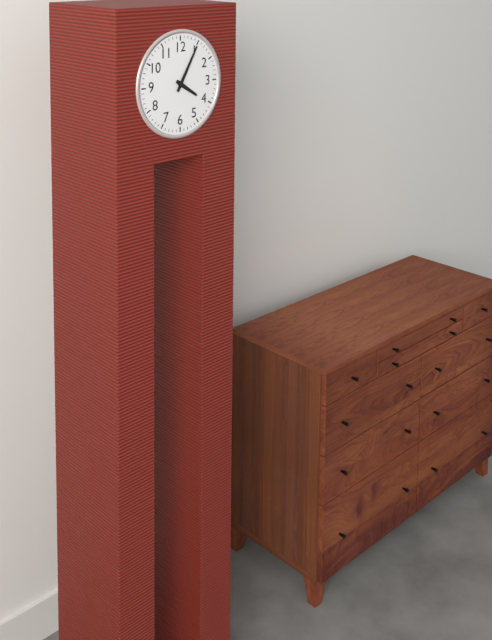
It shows {"hour": 4, "minute": 5}
